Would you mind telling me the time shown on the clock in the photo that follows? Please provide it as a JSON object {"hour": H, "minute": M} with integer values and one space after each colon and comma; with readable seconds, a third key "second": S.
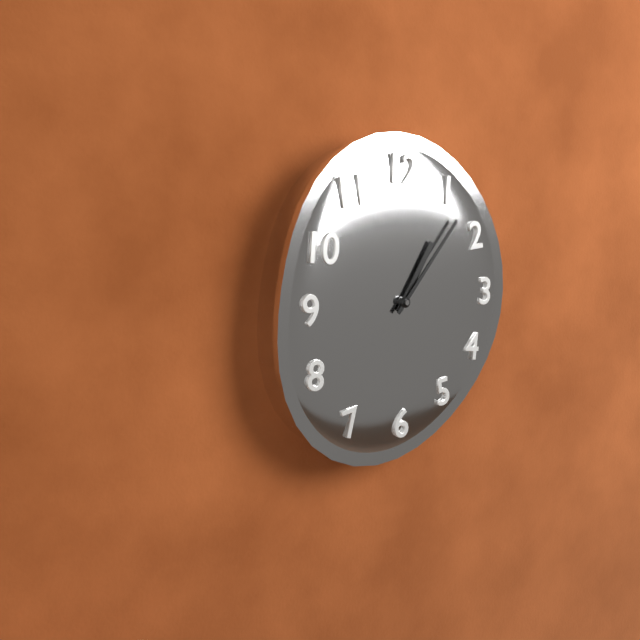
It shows {"hour": 1, "minute": 7}
